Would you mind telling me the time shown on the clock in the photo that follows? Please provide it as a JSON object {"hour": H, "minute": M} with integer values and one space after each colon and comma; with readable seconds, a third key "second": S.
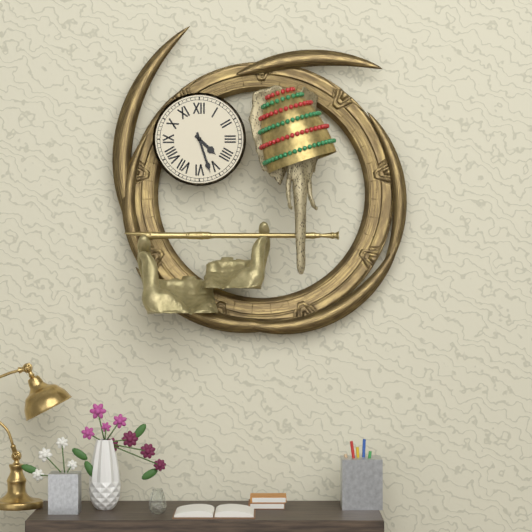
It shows {"hour": 4, "minute": 27}
